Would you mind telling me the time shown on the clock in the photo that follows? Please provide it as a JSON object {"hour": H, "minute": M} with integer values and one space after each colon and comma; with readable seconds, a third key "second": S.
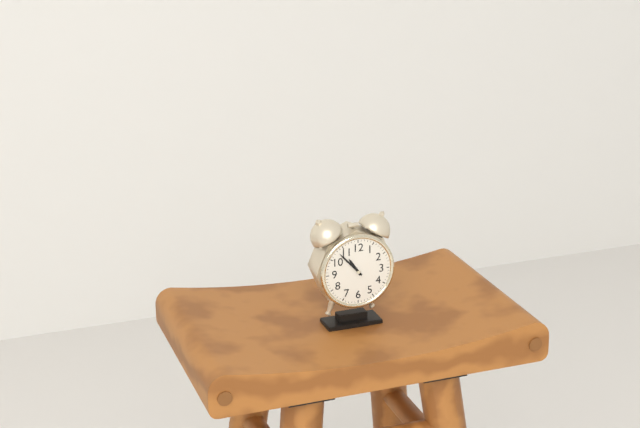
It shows {"hour": 10, "minute": 53}
